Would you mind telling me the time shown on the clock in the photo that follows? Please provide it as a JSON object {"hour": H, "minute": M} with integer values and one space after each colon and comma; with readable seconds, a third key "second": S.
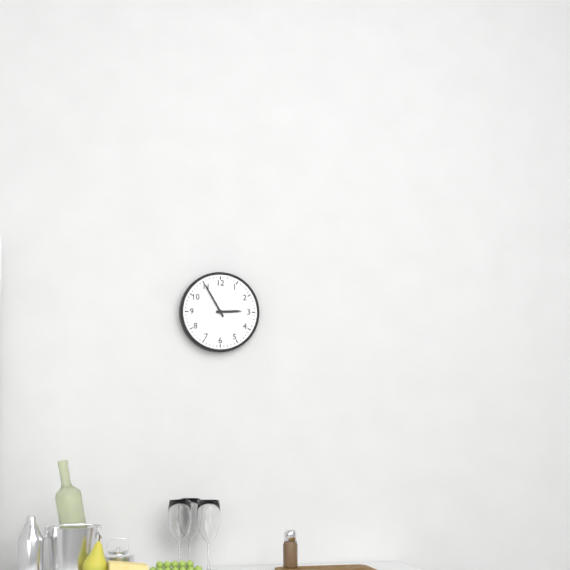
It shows {"hour": 2, "minute": 55}
